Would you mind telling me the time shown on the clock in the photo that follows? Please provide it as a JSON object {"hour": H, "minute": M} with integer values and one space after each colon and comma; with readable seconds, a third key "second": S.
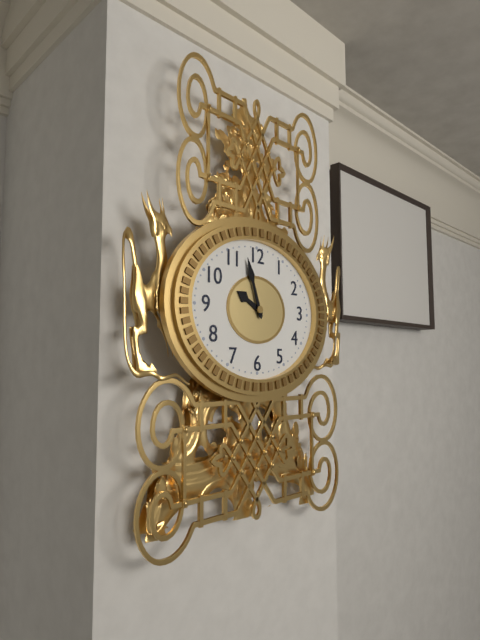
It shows {"hour": 9, "minute": 57}
